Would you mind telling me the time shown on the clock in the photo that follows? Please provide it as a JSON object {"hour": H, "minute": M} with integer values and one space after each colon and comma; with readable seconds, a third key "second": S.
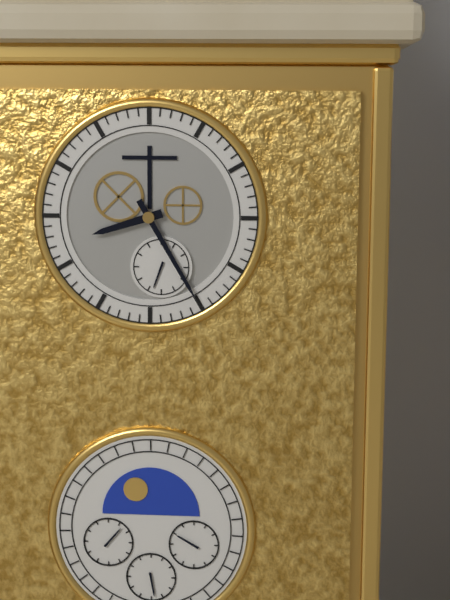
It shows {"hour": 8, "minute": 25}
